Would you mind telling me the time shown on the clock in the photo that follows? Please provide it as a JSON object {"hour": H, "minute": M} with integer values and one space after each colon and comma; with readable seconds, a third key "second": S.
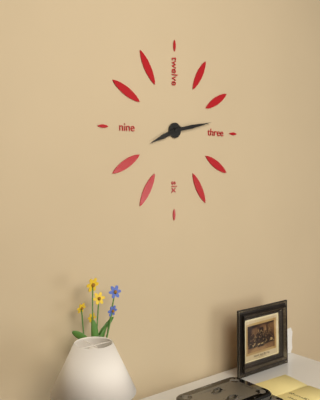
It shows {"hour": 8, "minute": 13}
